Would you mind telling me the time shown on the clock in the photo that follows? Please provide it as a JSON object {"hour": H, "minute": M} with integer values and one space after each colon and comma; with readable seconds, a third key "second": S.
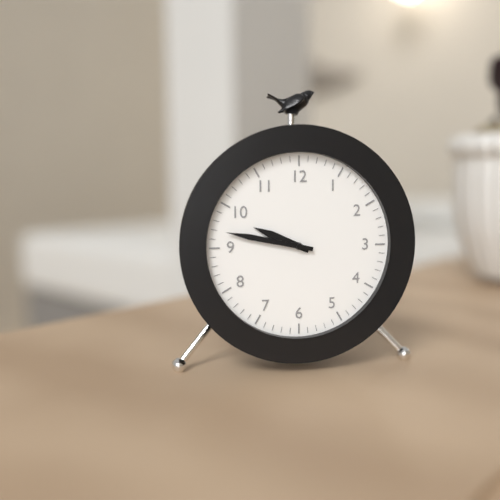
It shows {"hour": 9, "minute": 47}
